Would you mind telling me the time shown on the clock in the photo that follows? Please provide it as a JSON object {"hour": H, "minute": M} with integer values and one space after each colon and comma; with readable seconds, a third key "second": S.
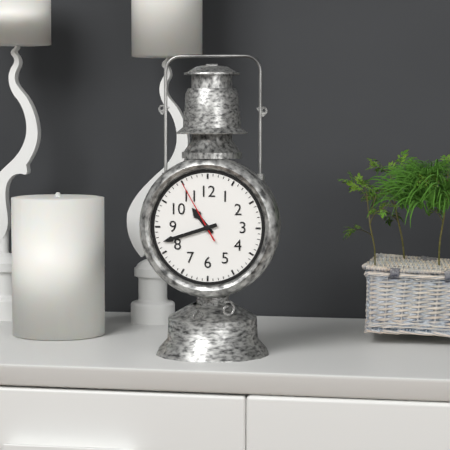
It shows {"hour": 10, "minute": 42, "second": 55}
